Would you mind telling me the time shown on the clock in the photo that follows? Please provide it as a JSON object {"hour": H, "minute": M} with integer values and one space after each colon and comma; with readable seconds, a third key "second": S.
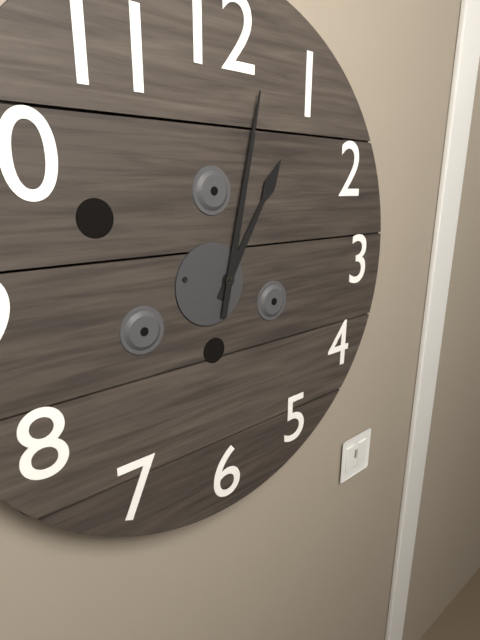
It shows {"hour": 1, "minute": 2}
